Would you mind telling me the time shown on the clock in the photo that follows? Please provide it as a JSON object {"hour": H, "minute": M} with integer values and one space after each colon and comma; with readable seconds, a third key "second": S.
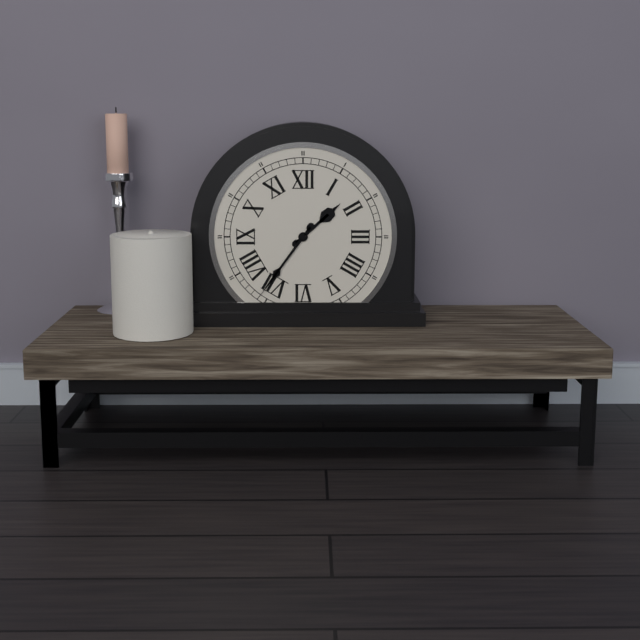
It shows {"hour": 1, "minute": 36}
